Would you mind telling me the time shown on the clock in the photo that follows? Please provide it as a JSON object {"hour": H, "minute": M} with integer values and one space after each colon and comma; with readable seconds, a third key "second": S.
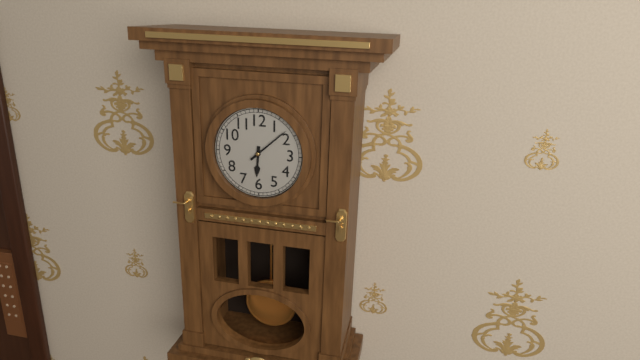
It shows {"hour": 6, "minute": 8}
